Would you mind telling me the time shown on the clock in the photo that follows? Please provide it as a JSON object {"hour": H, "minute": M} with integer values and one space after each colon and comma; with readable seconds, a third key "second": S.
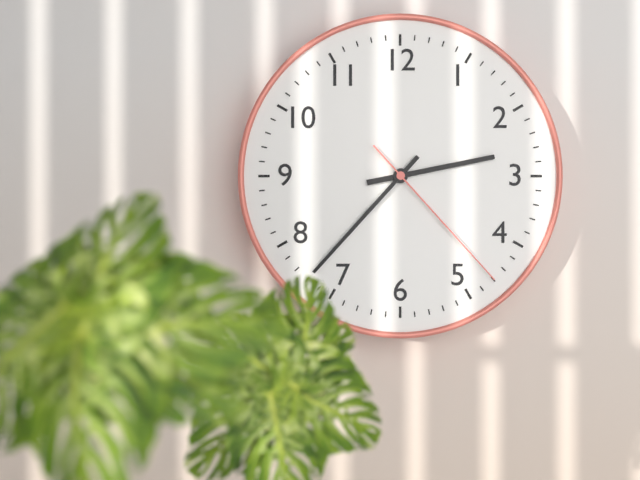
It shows {"hour": 2, "minute": 37, "second": 23}
